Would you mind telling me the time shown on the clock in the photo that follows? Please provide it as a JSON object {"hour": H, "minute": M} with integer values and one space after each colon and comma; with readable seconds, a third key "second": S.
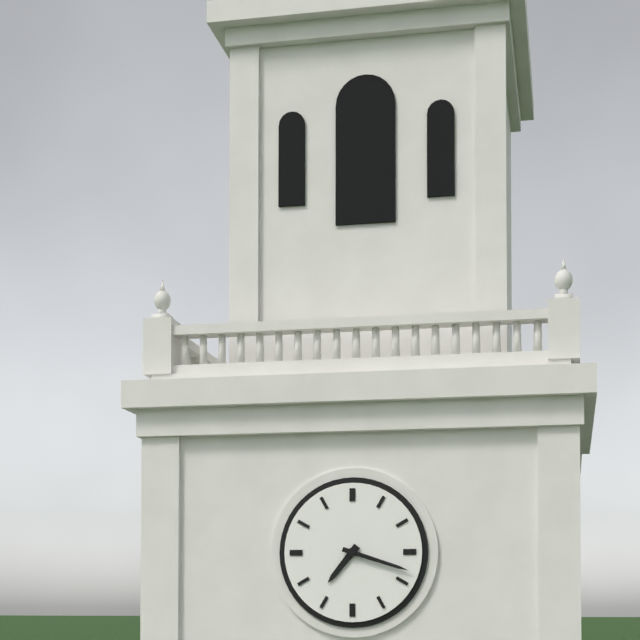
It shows {"hour": 7, "minute": 18}
